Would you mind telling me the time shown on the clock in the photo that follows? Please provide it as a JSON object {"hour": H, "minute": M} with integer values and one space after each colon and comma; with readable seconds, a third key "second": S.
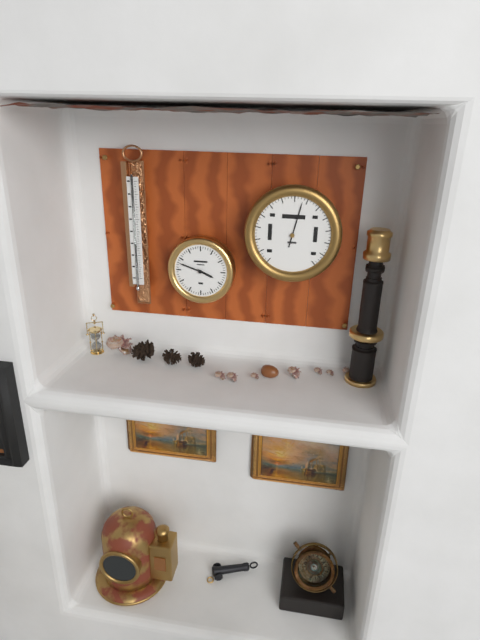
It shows {"hour": 3, "minute": 48}
